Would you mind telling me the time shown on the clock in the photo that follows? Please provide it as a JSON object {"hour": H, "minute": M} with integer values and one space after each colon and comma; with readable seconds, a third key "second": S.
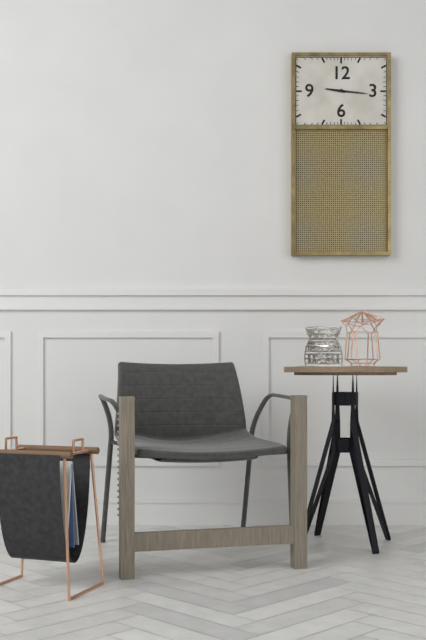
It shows {"hour": 9, "minute": 16}
